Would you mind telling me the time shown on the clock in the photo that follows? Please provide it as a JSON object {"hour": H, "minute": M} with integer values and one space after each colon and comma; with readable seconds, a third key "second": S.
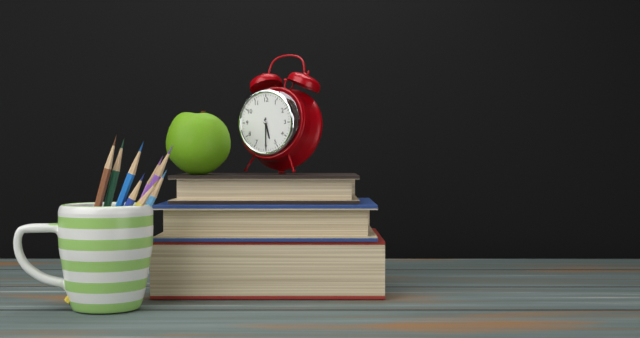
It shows {"hour": 5, "minute": 30}
